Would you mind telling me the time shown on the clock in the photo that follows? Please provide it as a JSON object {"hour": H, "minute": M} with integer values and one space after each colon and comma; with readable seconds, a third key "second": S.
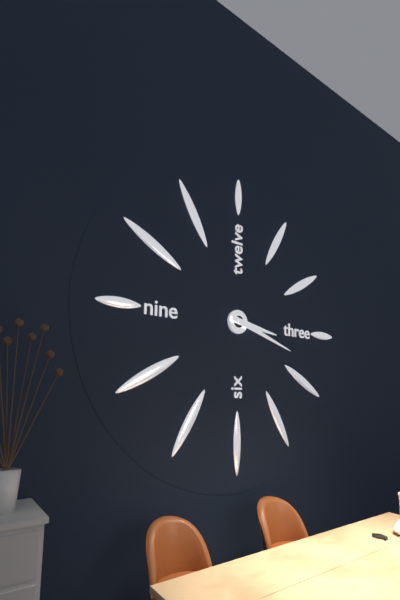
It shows {"hour": 3, "minute": 18}
